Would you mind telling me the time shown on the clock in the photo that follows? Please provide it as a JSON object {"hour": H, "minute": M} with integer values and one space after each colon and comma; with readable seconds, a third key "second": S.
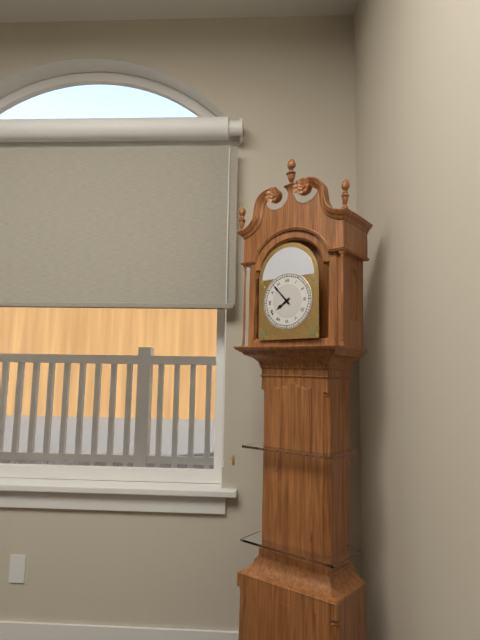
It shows {"hour": 7, "minute": 53}
